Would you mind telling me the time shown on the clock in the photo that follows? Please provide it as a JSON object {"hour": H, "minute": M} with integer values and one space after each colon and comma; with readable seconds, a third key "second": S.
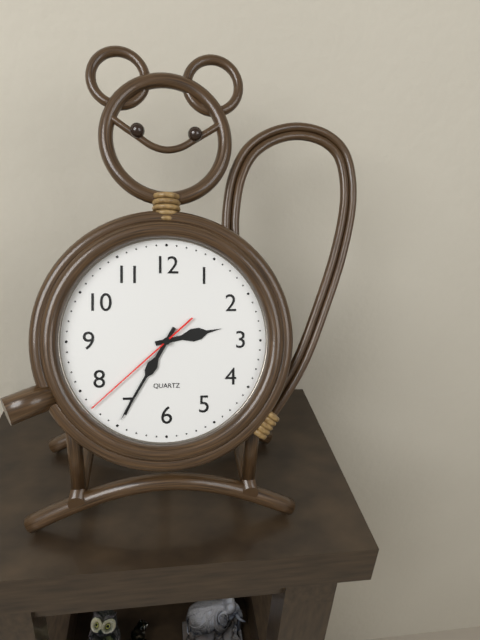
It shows {"hour": 2, "minute": 35, "second": 38}
